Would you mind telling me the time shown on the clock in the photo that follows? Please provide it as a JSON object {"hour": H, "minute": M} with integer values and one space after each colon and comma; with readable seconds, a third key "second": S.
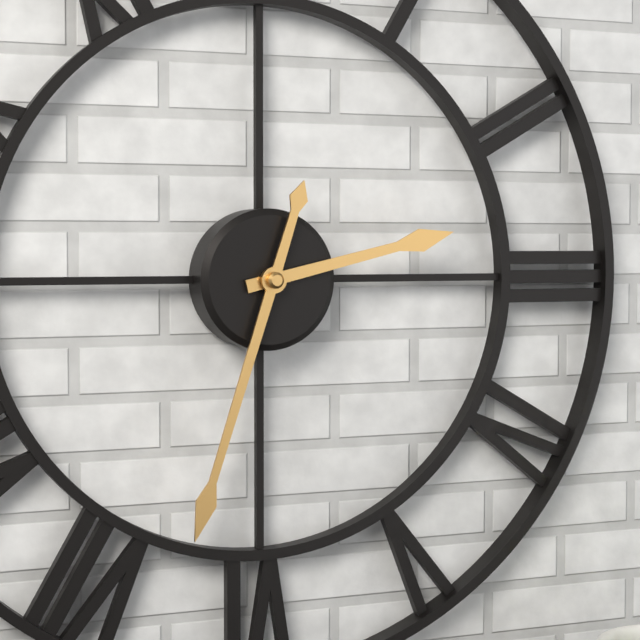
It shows {"hour": 2, "minute": 33}
